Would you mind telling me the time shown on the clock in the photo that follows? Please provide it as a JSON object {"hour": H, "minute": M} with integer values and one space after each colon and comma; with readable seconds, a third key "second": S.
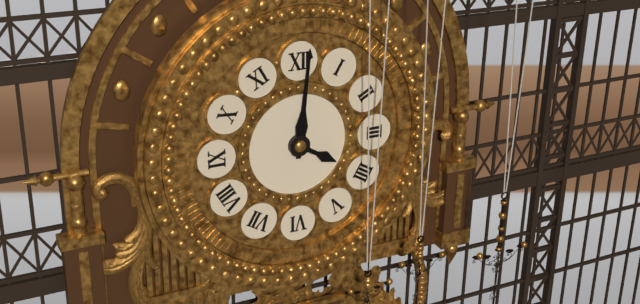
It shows {"hour": 4, "minute": 1}
